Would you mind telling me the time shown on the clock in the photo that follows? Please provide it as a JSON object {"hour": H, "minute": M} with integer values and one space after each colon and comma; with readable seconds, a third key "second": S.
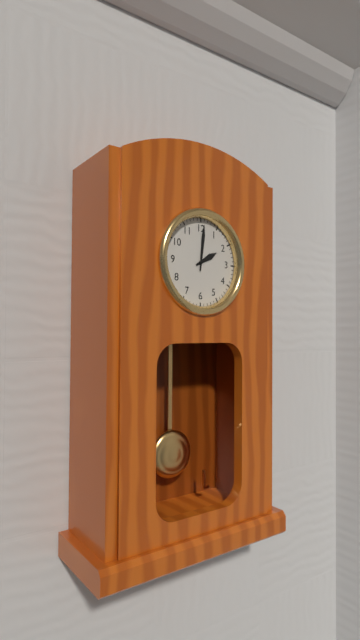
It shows {"hour": 2, "minute": 1}
